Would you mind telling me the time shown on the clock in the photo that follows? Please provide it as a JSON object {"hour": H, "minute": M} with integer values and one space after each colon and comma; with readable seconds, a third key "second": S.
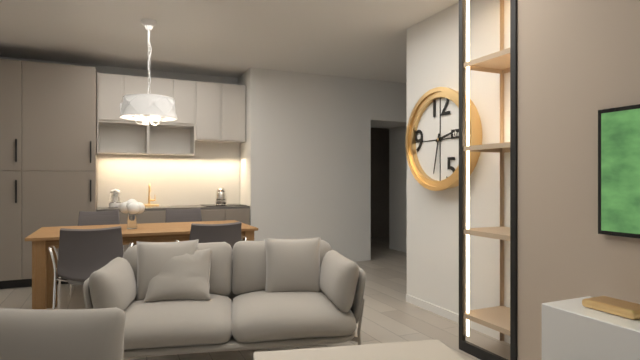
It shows {"hour": 2, "minute": 32}
